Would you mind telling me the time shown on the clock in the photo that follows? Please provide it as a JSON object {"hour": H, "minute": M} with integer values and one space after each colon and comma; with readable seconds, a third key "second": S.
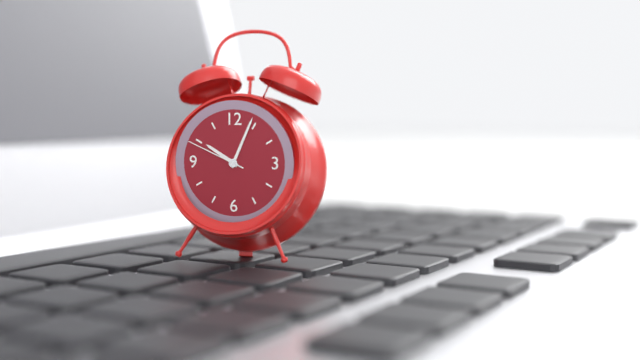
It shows {"hour": 10, "minute": 4, "second": 49}
